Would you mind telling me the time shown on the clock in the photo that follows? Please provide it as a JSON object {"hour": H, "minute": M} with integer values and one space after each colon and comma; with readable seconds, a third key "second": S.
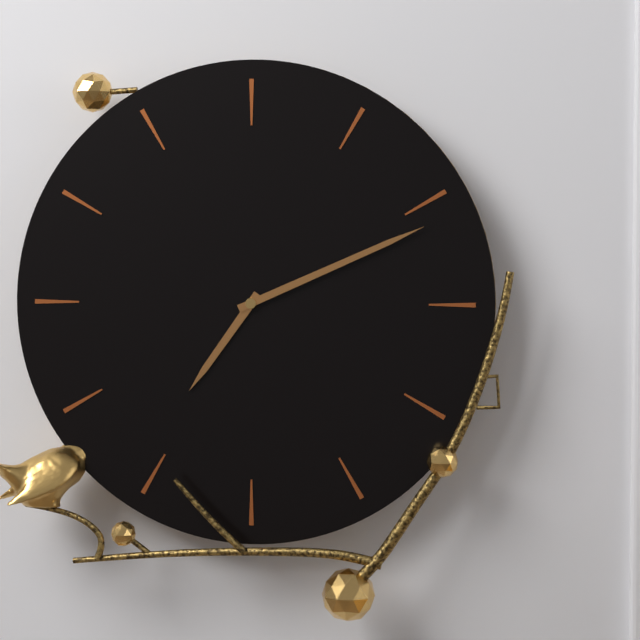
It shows {"hour": 7, "minute": 11}
